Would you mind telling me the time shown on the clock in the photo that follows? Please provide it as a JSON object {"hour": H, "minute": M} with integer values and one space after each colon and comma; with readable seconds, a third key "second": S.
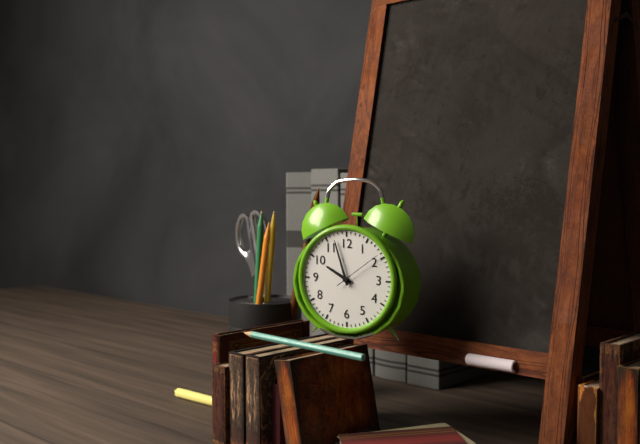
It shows {"hour": 9, "minute": 57, "second": 9}
